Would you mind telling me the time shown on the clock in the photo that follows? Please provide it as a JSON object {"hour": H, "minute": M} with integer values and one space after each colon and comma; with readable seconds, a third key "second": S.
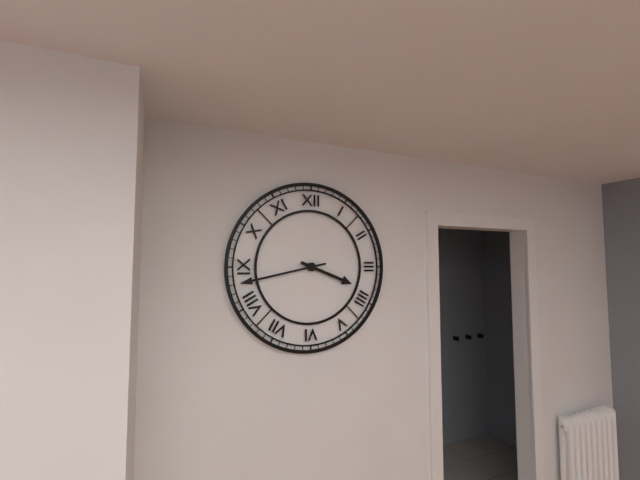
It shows {"hour": 3, "minute": 43}
